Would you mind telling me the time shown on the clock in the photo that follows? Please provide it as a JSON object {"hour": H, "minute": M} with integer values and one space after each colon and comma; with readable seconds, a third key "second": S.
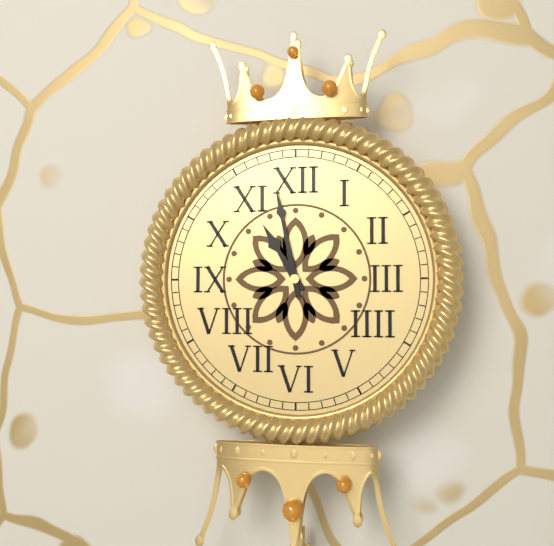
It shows {"hour": 10, "minute": 58}
